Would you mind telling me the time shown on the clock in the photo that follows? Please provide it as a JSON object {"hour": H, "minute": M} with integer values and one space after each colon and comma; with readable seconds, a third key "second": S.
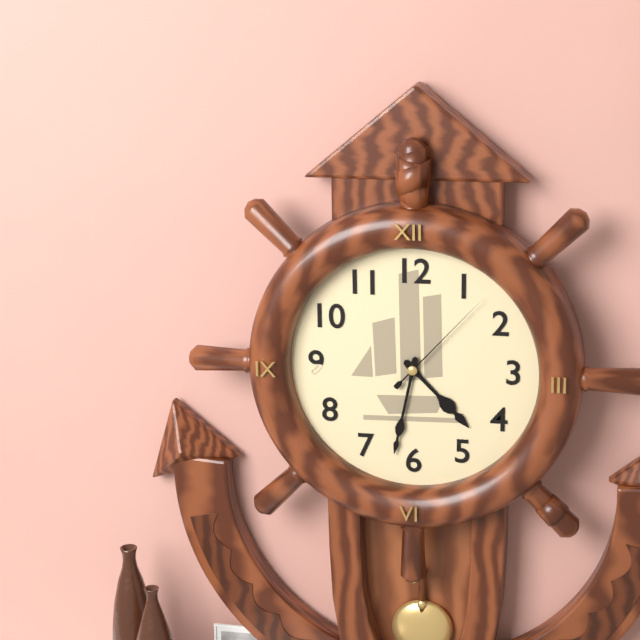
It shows {"hour": 4, "minute": 32, "second": 7}
